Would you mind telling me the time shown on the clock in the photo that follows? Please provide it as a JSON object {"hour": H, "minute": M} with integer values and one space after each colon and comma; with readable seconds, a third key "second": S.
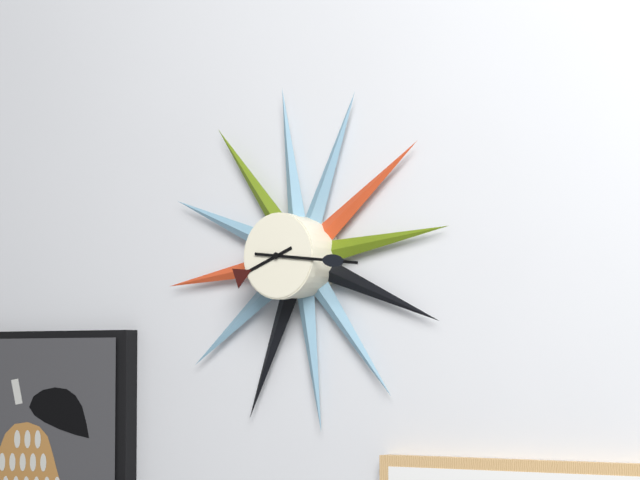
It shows {"hour": 8, "minute": 16}
